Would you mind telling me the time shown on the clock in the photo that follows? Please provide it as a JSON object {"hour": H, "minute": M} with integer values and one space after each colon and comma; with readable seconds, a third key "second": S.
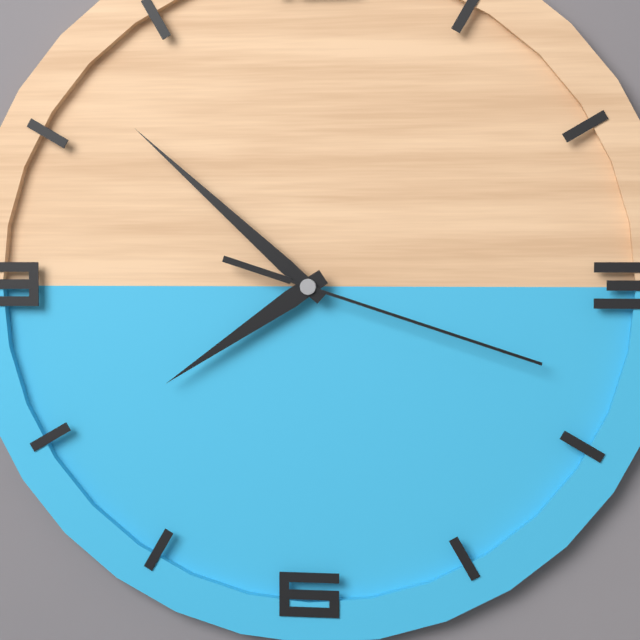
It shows {"hour": 7, "minute": 52, "second": 18}
